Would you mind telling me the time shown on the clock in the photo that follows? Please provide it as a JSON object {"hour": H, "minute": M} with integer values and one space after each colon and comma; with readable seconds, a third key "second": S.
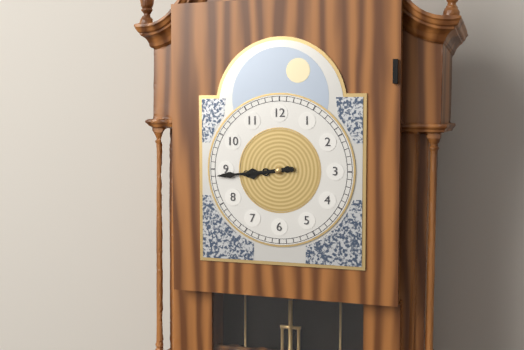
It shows {"hour": 8, "minute": 44}
